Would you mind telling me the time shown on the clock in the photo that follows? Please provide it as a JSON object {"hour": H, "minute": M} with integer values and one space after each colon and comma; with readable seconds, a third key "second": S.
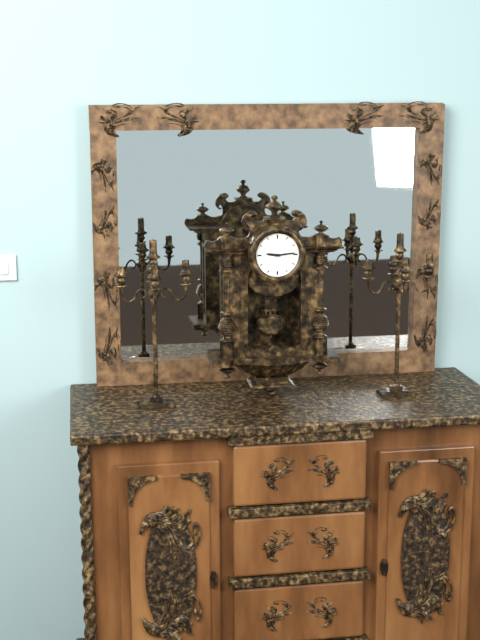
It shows {"hour": 9, "minute": 14}
